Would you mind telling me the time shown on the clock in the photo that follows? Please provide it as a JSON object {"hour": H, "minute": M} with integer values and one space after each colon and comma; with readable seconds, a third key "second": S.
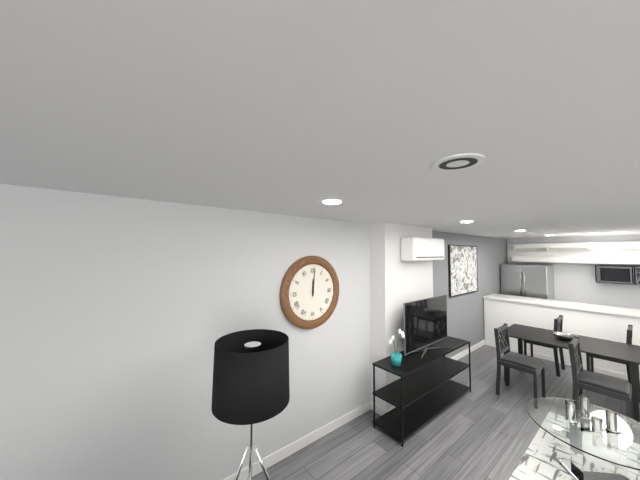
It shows {"hour": 12, "minute": 1}
